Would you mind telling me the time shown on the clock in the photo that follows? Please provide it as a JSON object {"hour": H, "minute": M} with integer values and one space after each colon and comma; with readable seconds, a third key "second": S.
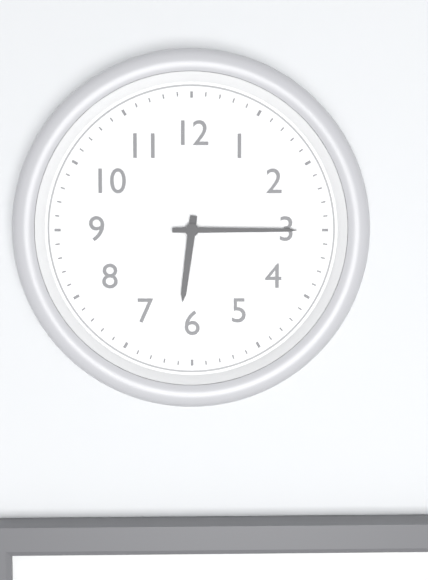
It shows {"hour": 6, "minute": 15}
